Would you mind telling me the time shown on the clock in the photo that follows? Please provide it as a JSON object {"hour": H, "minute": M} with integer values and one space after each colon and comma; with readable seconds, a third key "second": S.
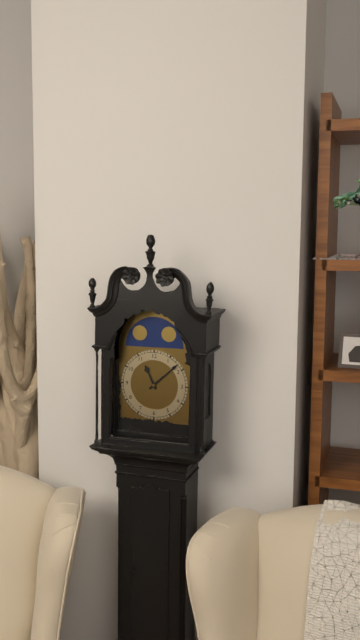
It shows {"hour": 11, "minute": 8}
